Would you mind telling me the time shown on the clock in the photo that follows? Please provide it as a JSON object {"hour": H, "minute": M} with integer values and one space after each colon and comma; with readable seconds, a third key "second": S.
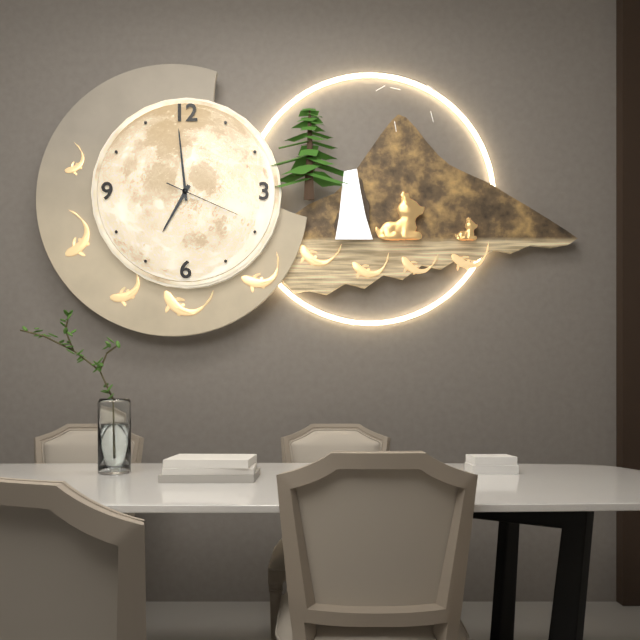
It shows {"hour": 6, "minute": 59, "second": 19}
